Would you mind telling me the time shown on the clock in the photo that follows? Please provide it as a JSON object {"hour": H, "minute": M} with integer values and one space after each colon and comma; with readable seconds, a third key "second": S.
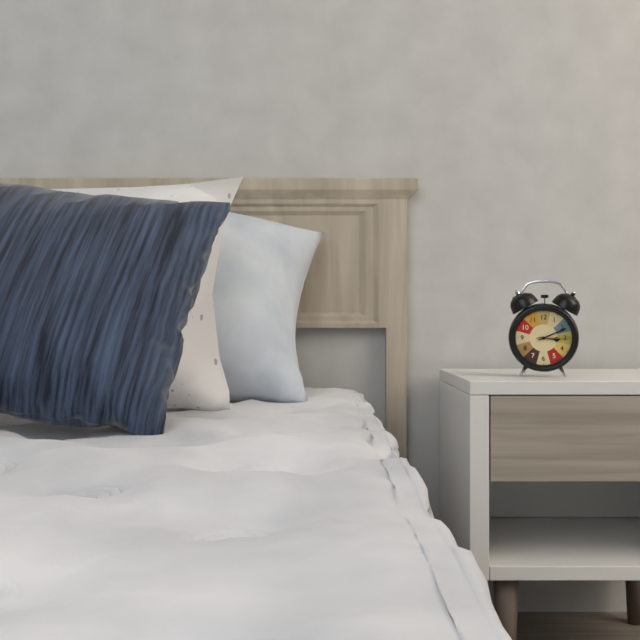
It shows {"hour": 3, "minute": 11}
